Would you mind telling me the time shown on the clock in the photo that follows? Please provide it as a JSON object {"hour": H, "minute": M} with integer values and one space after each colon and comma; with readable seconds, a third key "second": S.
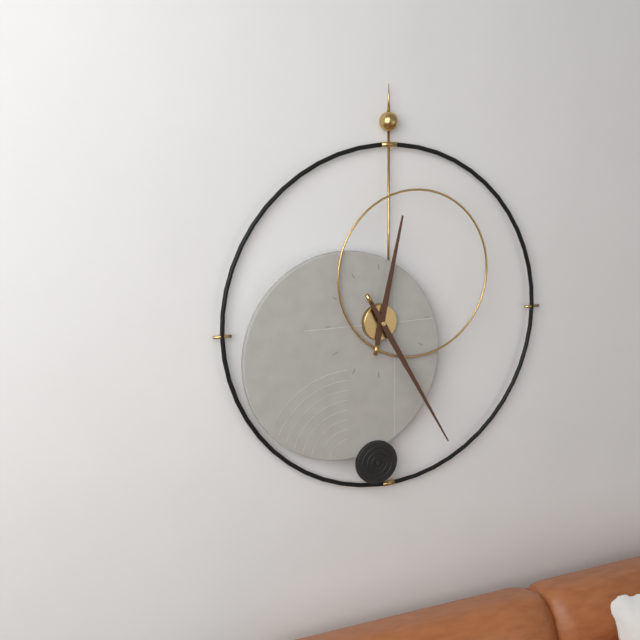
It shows {"hour": 12, "minute": 25}
